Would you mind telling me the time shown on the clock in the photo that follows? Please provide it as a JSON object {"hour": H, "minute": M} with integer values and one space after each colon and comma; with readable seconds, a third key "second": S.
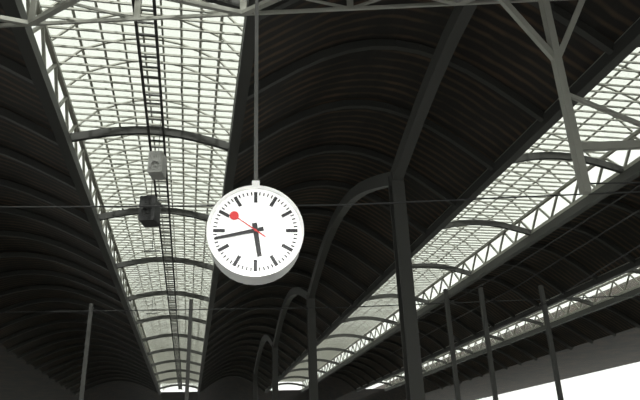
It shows {"hour": 5, "minute": 43}
